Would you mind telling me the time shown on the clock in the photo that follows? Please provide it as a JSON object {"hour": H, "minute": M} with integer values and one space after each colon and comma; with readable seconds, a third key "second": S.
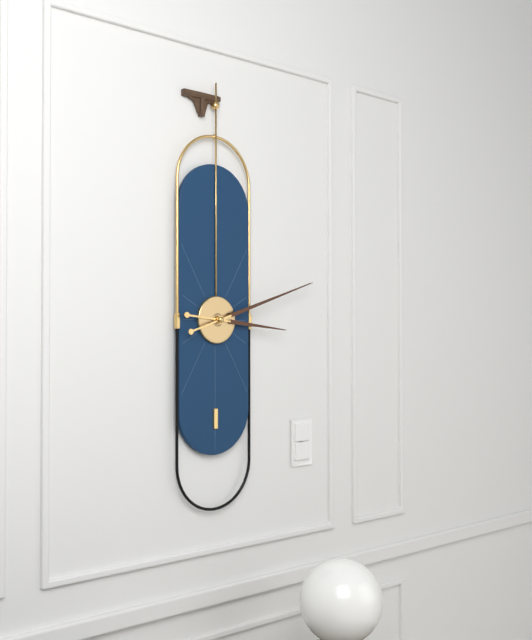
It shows {"hour": 3, "minute": 12}
